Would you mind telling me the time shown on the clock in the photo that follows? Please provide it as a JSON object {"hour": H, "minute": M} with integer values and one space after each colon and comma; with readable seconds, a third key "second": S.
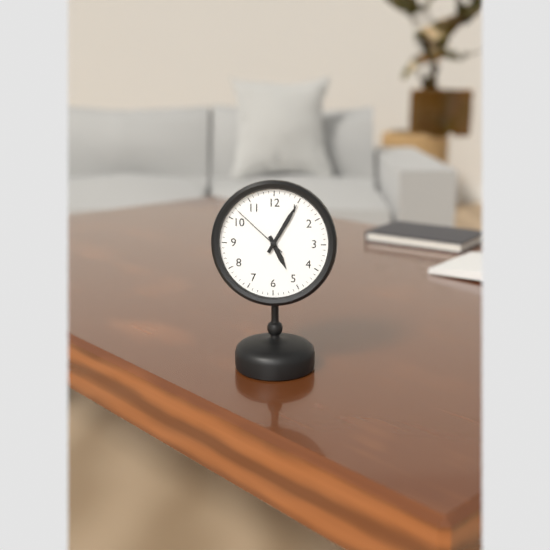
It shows {"hour": 5, "minute": 5, "second": 52}
